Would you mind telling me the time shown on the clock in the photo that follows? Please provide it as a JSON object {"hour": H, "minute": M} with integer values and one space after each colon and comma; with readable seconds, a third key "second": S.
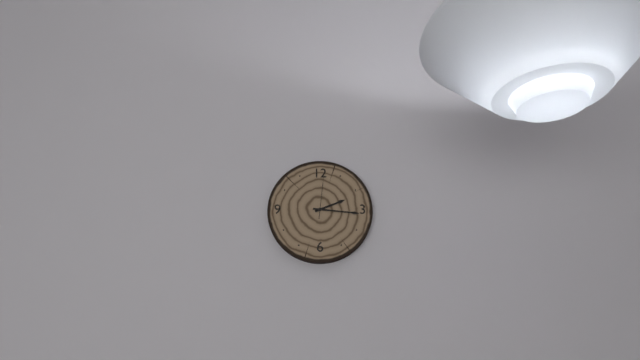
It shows {"hour": 2, "minute": 16}
